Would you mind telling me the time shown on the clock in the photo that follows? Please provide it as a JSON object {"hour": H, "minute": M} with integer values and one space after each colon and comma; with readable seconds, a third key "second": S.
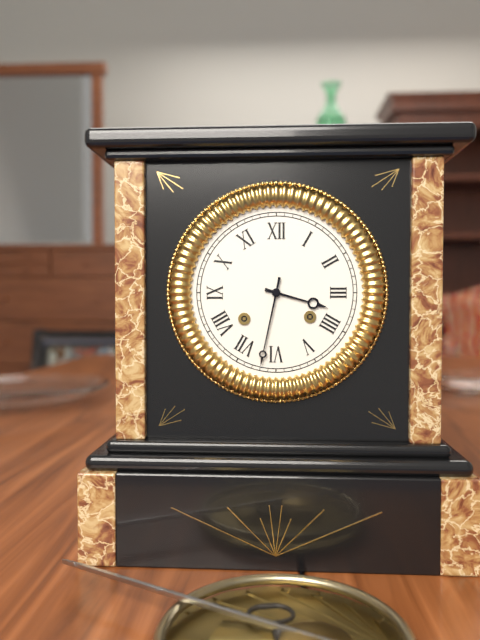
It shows {"hour": 3, "minute": 32}
